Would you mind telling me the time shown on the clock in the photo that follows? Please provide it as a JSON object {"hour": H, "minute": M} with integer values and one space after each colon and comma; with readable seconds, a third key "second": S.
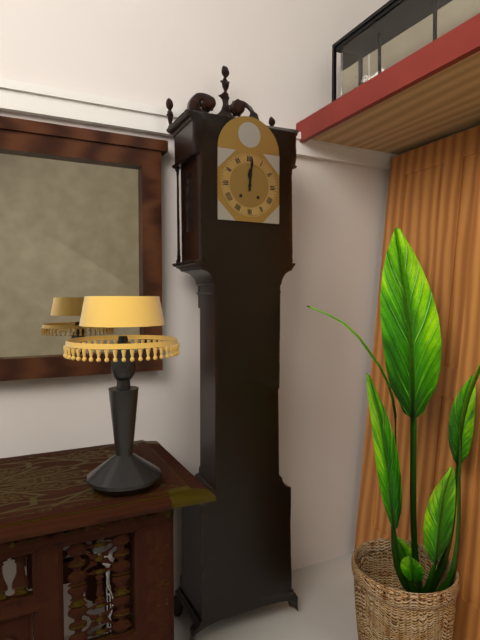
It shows {"hour": 12, "minute": 1}
